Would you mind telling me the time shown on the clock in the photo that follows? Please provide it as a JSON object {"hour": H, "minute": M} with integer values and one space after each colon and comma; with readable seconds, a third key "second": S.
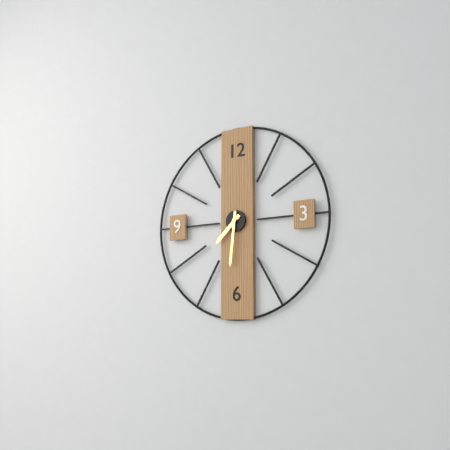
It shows {"hour": 7, "minute": 31}
